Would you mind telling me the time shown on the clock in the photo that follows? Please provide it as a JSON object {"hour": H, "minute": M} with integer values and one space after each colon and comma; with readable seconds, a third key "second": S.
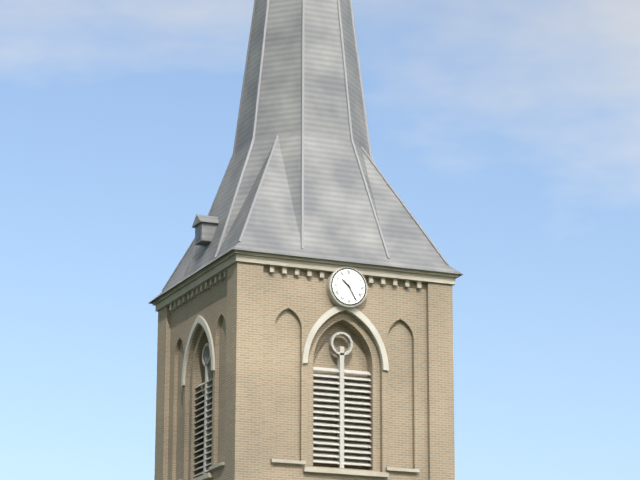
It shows {"hour": 10, "minute": 25}
